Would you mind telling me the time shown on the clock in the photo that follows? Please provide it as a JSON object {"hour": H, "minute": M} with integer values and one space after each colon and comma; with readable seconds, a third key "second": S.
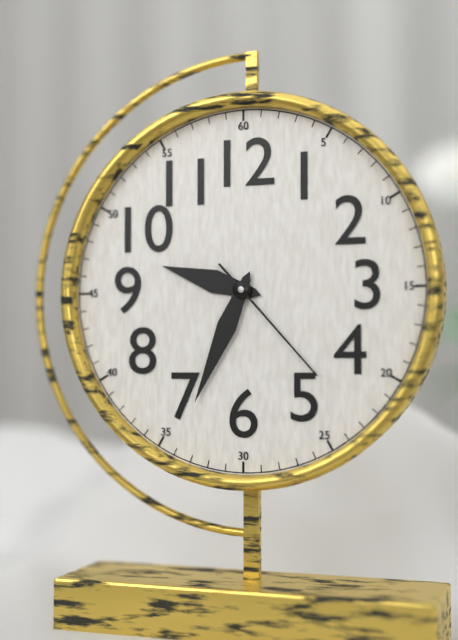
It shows {"hour": 9, "minute": 34, "second": 23}
